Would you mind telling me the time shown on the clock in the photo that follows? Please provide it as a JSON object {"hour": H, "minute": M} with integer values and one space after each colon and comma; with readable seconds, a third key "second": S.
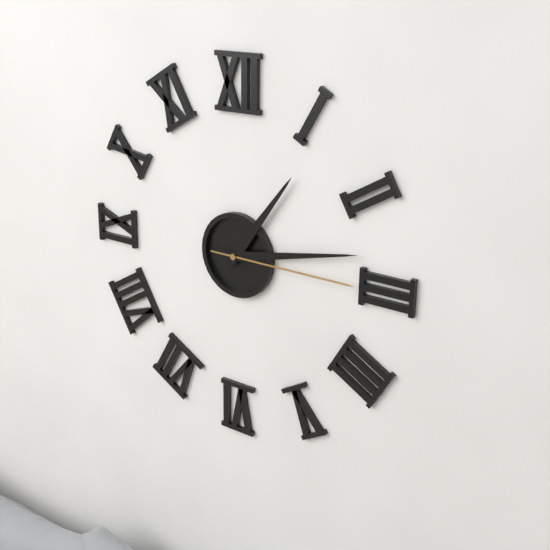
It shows {"hour": 1, "minute": 13, "second": 15}
